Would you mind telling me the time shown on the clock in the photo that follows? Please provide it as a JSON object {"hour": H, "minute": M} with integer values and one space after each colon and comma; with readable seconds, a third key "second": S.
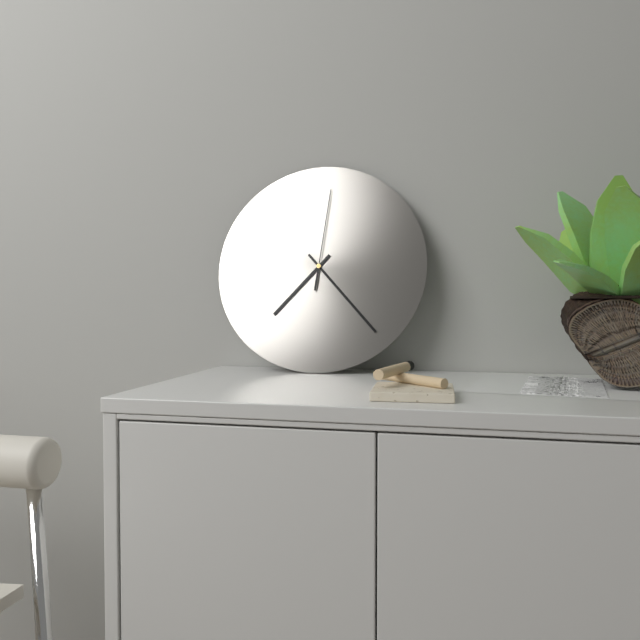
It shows {"hour": 7, "minute": 23, "second": 1}
